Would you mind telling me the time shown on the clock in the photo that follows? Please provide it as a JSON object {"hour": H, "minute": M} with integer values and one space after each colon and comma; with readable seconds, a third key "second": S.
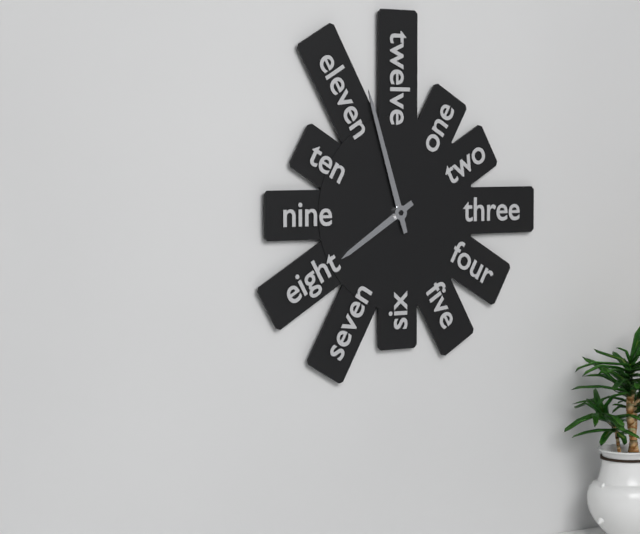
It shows {"hour": 7, "minute": 57}
